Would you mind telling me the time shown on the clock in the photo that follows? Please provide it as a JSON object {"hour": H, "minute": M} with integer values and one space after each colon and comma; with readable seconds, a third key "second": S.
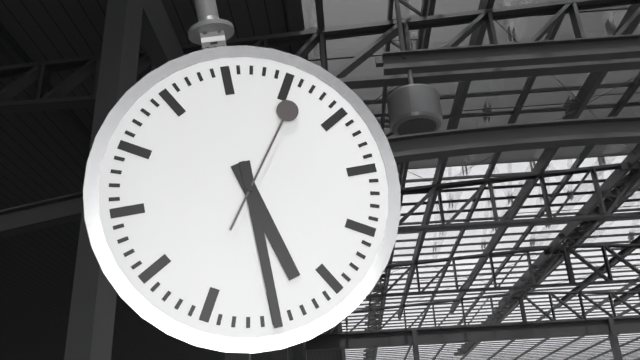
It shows {"hour": 5, "minute": 30, "second": 6}
